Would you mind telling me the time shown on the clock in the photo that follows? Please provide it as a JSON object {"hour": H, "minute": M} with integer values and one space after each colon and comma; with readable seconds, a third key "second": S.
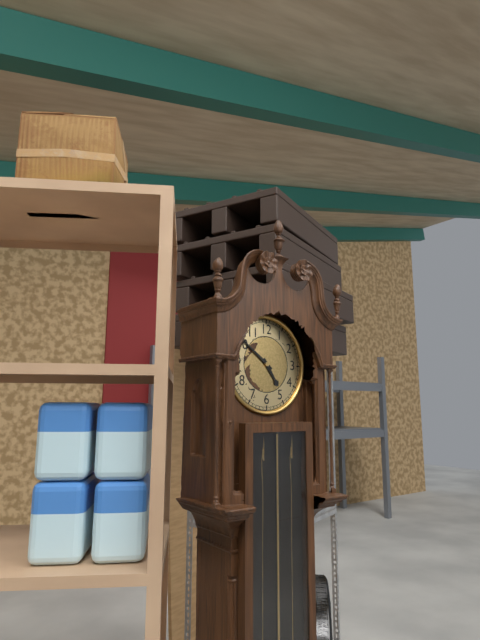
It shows {"hour": 4, "minute": 51}
